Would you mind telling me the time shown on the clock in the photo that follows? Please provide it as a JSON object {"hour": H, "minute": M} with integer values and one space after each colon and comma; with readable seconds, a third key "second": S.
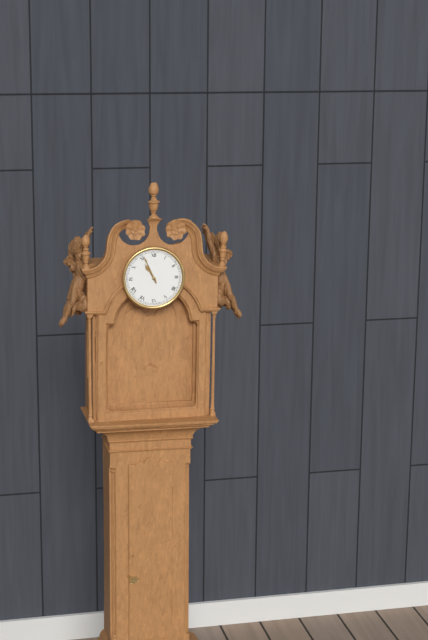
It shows {"hour": 10, "minute": 56}
